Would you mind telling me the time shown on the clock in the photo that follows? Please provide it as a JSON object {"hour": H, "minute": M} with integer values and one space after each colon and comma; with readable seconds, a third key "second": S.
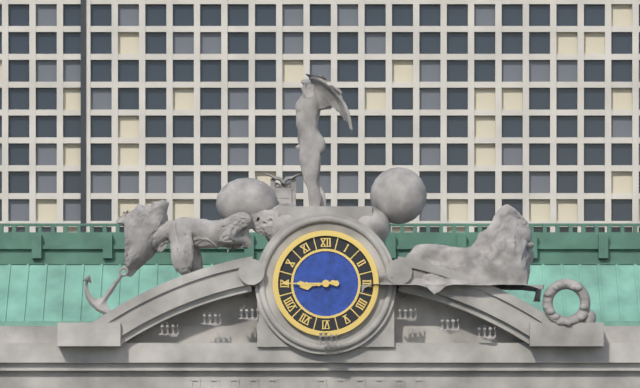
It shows {"hour": 8, "minute": 45}
